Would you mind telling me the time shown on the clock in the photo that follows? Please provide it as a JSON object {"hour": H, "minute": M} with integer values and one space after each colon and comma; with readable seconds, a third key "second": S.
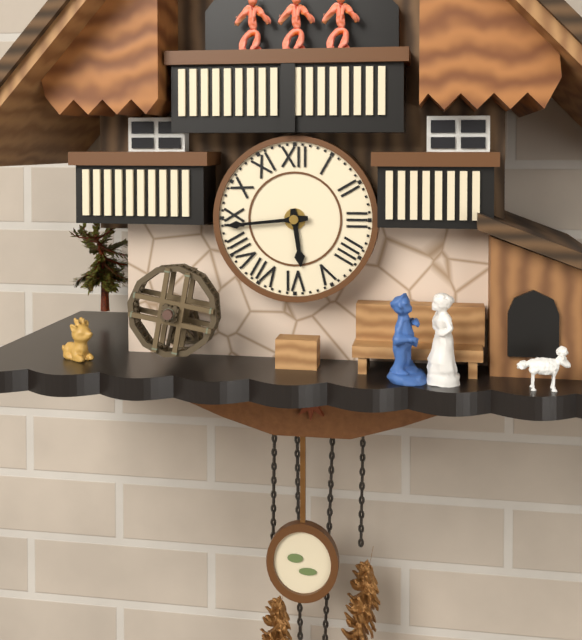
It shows {"hour": 5, "minute": 44}
